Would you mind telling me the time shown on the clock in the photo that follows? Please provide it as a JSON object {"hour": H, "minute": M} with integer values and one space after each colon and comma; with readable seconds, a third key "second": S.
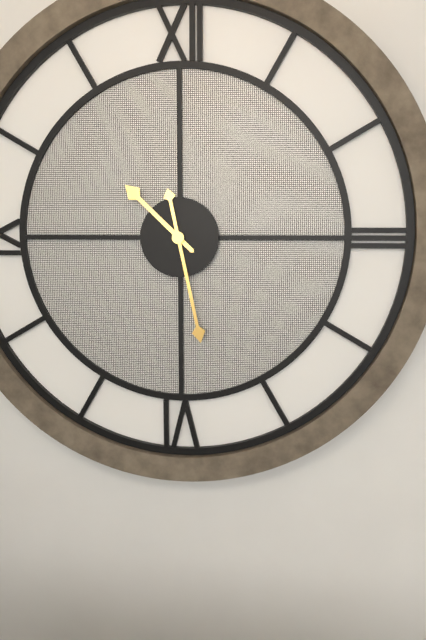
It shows {"hour": 10, "minute": 28}
